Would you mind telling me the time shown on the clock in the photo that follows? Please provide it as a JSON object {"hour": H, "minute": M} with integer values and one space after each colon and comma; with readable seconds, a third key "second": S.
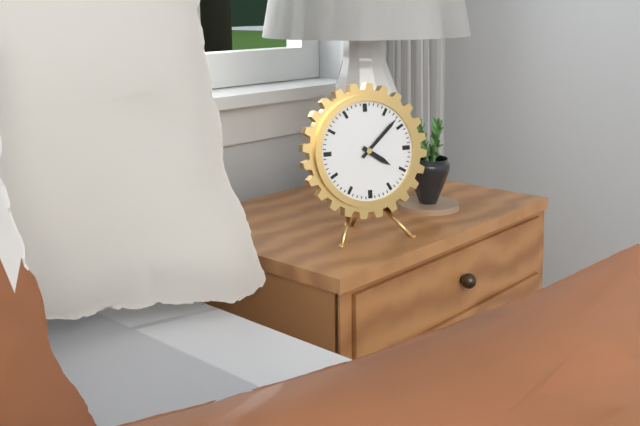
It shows {"hour": 4, "minute": 8}
